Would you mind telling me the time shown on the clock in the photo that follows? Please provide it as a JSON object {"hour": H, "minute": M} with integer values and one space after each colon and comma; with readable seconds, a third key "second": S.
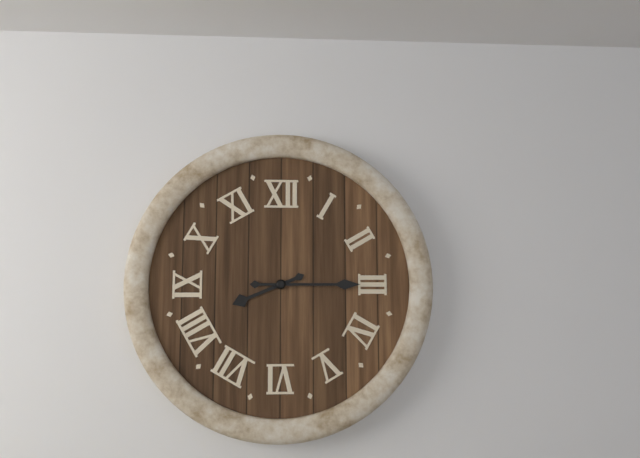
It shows {"hour": 8, "minute": 15}
